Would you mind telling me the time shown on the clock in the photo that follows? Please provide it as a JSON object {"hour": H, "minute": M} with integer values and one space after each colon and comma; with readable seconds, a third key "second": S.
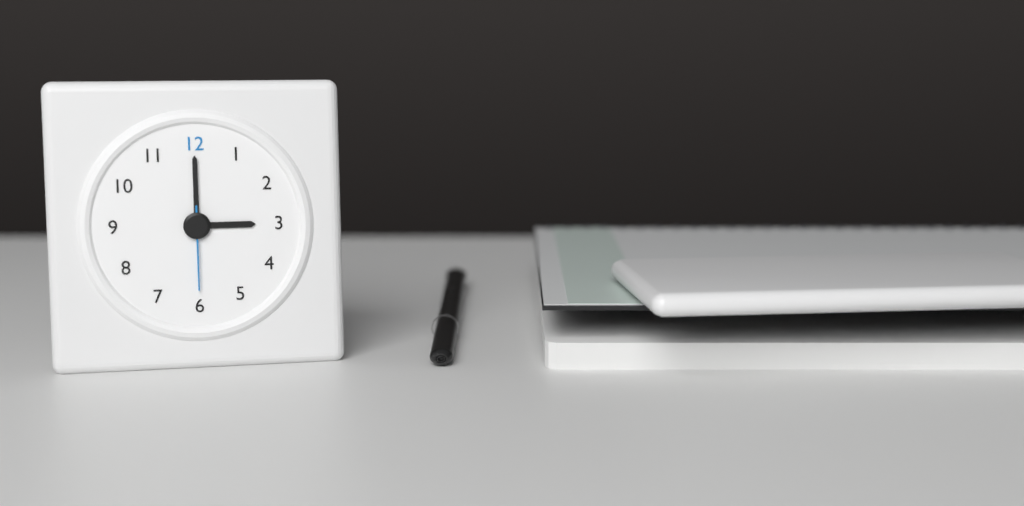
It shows {"hour": 3, "minute": 0, "second": 30}
